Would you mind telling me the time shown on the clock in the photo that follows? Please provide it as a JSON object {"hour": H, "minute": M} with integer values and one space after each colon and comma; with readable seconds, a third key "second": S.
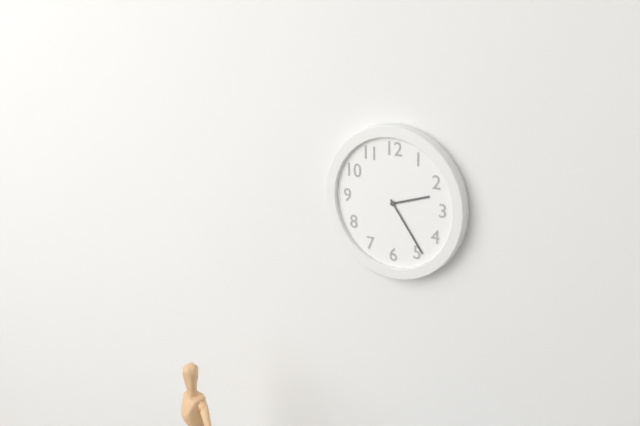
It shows {"hour": 2, "minute": 24}
